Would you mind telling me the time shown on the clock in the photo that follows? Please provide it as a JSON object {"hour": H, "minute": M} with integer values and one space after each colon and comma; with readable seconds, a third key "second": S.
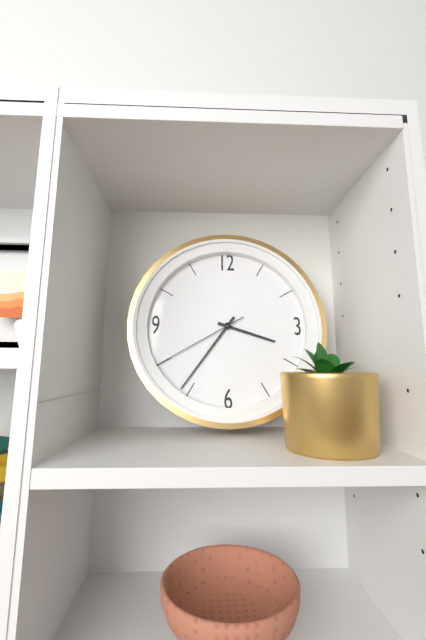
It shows {"hour": 3, "minute": 36, "second": 40}
